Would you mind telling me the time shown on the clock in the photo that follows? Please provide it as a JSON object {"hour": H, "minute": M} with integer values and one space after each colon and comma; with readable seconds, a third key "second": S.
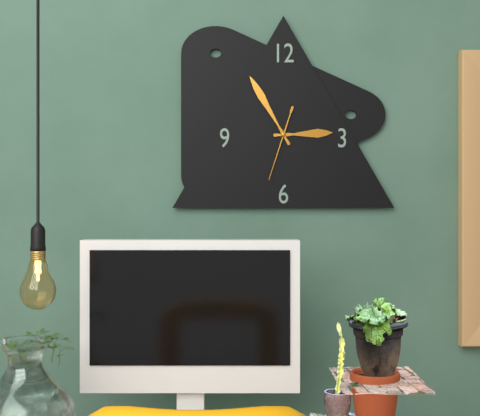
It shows {"hour": 2, "minute": 55, "second": 33}
